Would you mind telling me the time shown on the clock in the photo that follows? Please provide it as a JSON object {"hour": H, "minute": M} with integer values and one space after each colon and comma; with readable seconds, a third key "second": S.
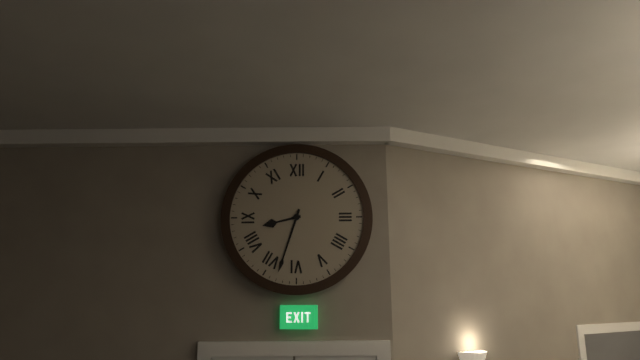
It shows {"hour": 8, "minute": 33}
